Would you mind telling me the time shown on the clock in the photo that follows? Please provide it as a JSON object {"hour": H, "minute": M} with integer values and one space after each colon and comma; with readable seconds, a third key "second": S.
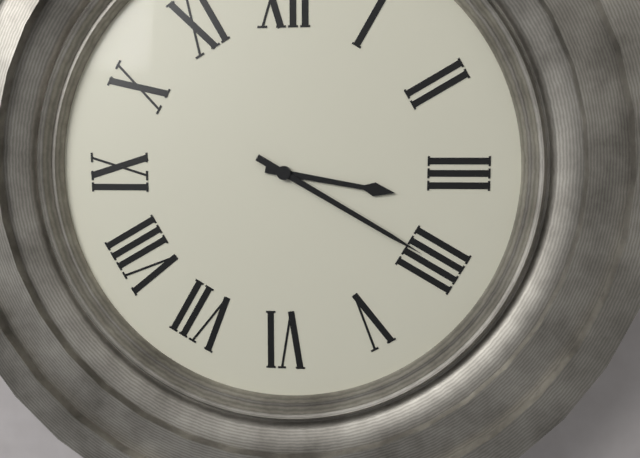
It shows {"hour": 3, "minute": 20}
